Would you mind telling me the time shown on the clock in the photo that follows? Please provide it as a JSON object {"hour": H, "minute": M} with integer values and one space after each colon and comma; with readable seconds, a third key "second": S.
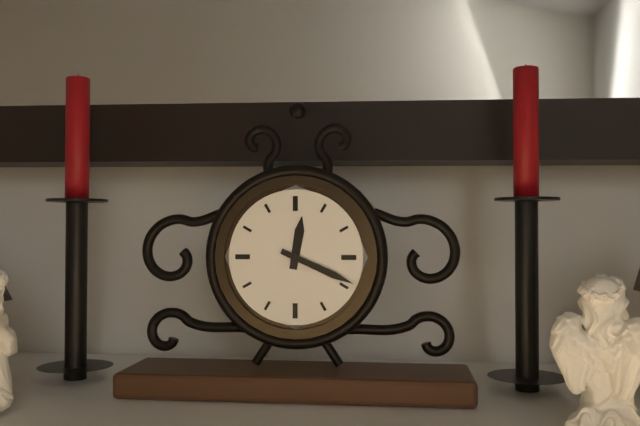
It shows {"hour": 12, "minute": 19}
